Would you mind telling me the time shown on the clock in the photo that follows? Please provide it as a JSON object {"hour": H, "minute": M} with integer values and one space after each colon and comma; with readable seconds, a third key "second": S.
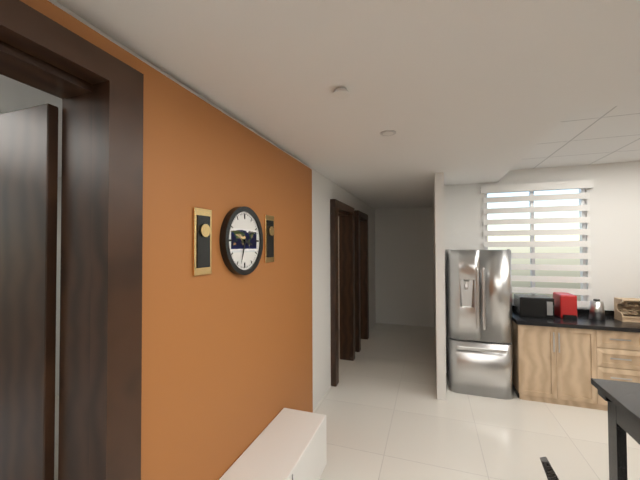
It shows {"hour": 3, "minute": 33}
